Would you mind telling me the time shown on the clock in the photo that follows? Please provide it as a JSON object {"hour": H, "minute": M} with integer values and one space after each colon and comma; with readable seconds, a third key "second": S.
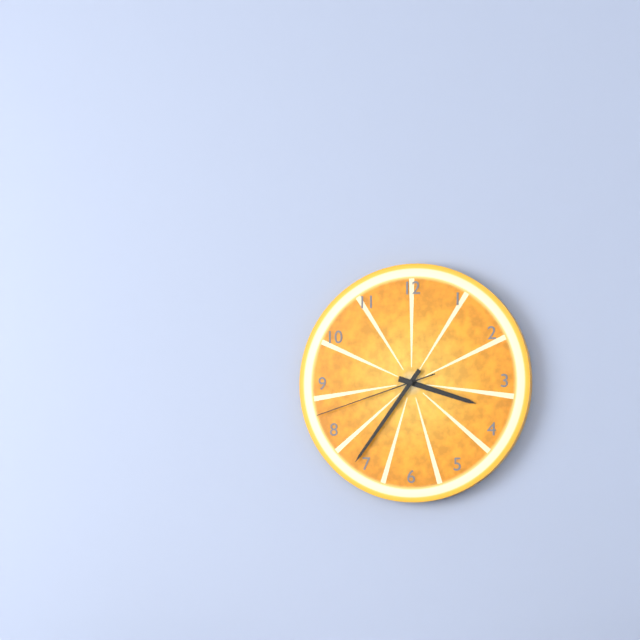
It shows {"hour": 3, "minute": 36, "second": 42}
